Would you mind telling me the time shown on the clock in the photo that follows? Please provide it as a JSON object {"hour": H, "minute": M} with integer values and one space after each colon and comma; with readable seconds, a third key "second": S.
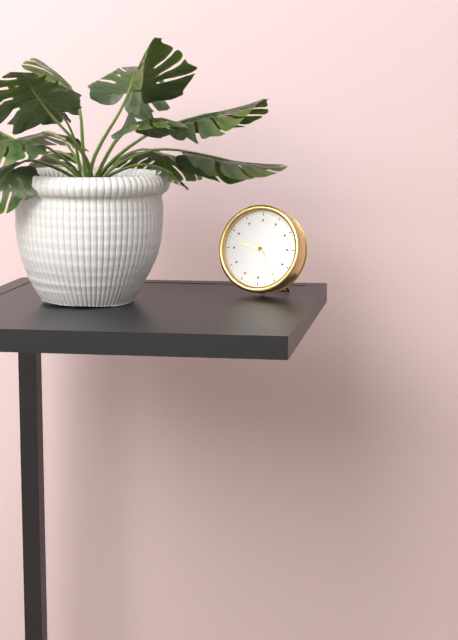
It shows {"hour": 9, "minute": 25}
